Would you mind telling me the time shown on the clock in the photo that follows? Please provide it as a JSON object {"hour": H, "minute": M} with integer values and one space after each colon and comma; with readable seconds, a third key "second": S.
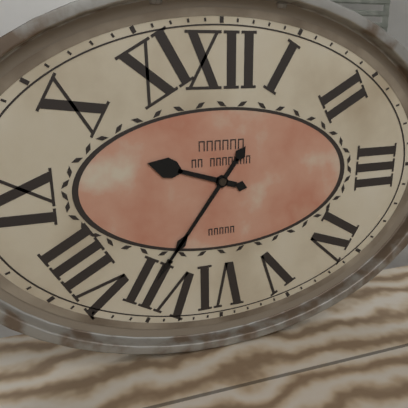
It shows {"hour": 9, "minute": 36}
